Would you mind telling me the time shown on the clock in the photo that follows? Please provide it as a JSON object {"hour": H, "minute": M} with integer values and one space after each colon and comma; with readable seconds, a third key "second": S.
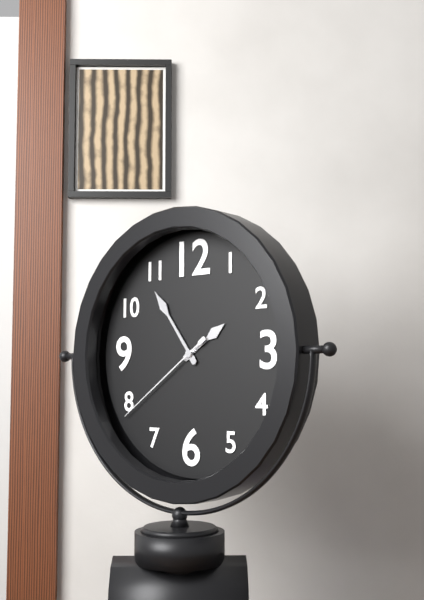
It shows {"hour": 1, "minute": 54, "second": 39}
